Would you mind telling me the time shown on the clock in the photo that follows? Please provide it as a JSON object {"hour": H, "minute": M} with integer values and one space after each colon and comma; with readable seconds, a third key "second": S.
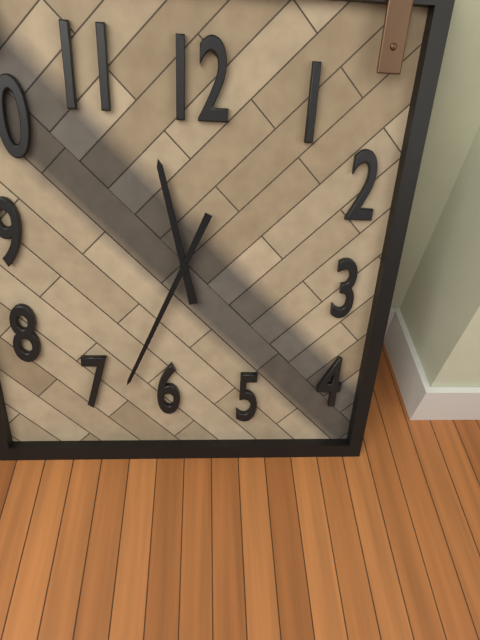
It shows {"hour": 11, "minute": 34}
